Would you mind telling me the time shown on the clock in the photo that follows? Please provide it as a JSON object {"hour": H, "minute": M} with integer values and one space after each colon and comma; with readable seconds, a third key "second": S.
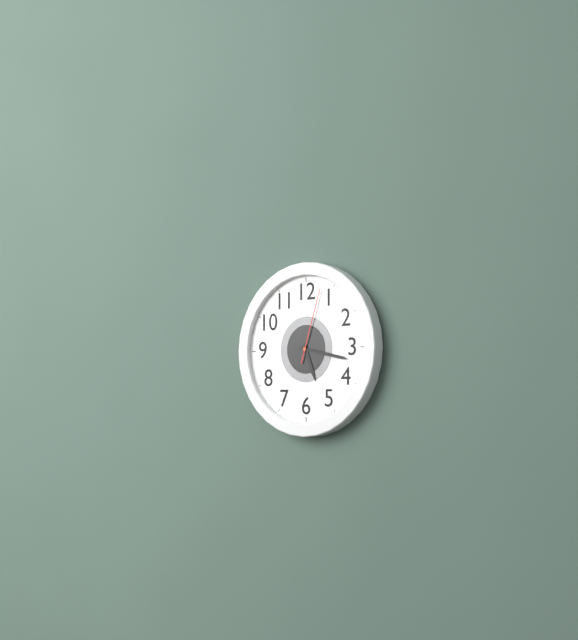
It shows {"hour": 5, "minute": 17, "second": 3}
